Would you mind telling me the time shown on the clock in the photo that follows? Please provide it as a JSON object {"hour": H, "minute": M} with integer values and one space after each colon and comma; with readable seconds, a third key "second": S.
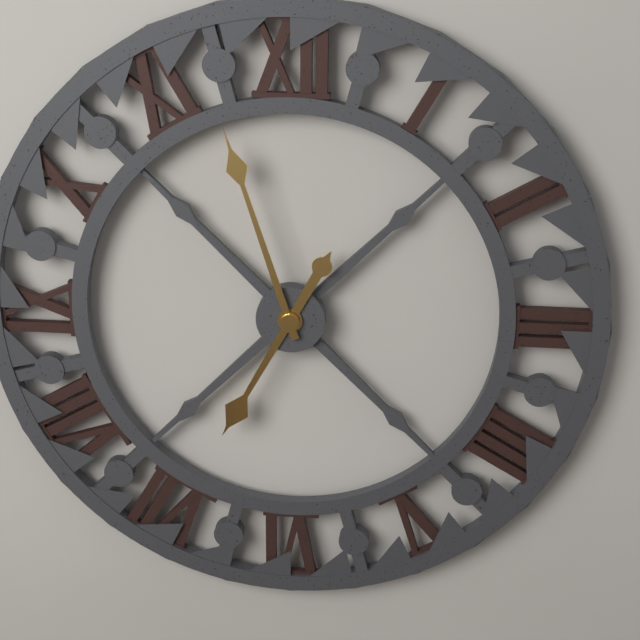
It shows {"hour": 6, "minute": 57}
